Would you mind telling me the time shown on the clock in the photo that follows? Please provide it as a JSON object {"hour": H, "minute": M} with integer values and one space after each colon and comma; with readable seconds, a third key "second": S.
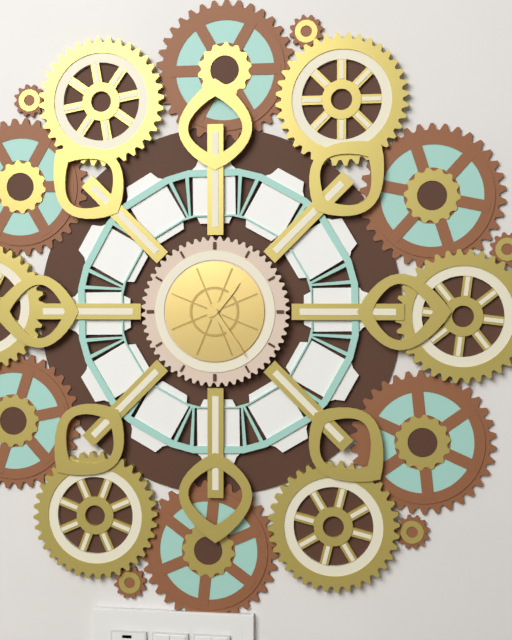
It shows {"hour": 1, "minute": 24}
